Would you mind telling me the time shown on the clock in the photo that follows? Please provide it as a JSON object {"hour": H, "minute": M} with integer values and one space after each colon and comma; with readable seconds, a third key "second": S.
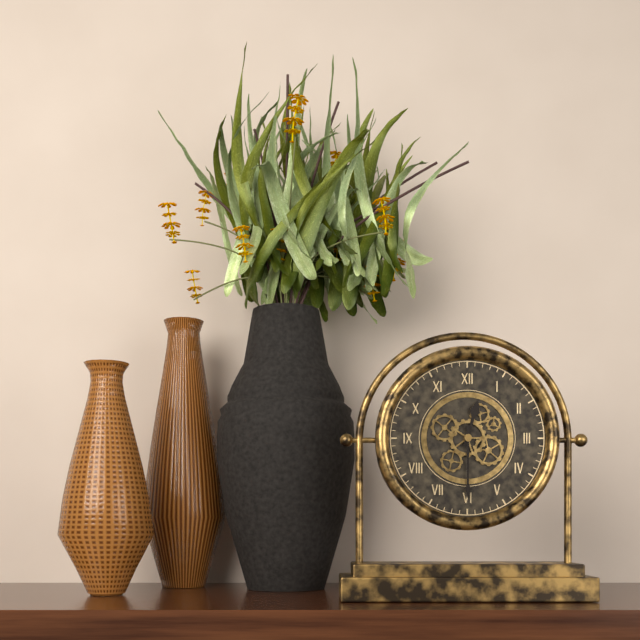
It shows {"hour": 12, "minute": 30}
